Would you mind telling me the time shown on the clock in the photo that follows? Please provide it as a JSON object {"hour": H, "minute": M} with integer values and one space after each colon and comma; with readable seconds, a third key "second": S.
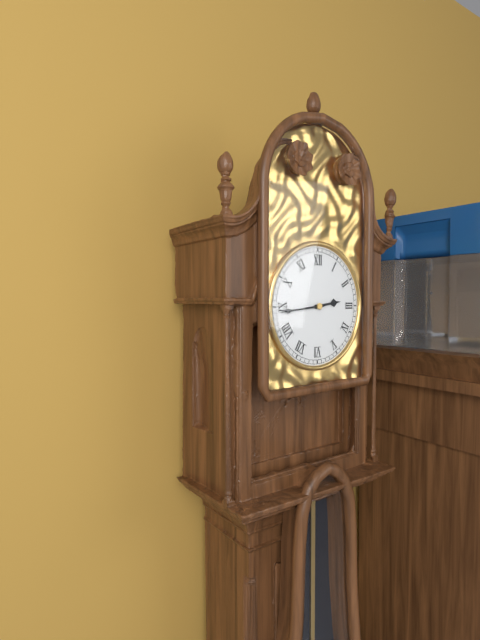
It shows {"hour": 2, "minute": 44}
